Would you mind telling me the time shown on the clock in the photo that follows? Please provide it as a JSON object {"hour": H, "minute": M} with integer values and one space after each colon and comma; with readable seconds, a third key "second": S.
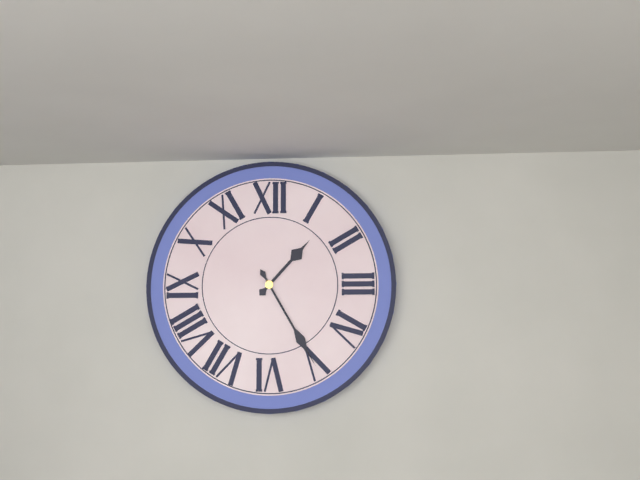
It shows {"hour": 1, "minute": 25}
